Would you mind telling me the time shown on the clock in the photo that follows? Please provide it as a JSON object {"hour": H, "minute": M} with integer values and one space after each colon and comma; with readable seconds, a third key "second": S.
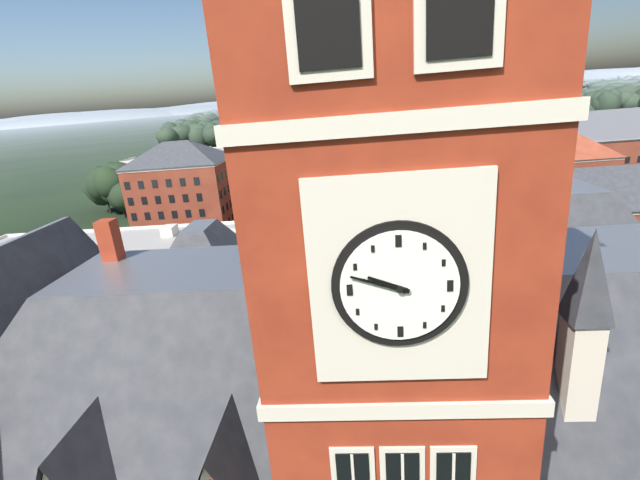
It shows {"hour": 9, "minute": 48}
